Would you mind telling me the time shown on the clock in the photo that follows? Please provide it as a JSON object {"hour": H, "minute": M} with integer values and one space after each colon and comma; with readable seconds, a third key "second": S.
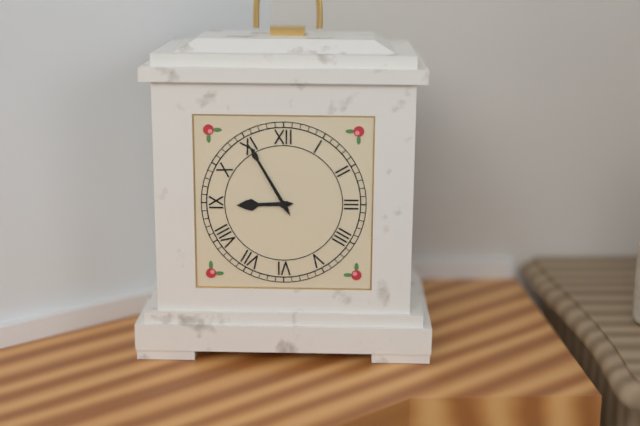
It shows {"hour": 8, "minute": 55}
